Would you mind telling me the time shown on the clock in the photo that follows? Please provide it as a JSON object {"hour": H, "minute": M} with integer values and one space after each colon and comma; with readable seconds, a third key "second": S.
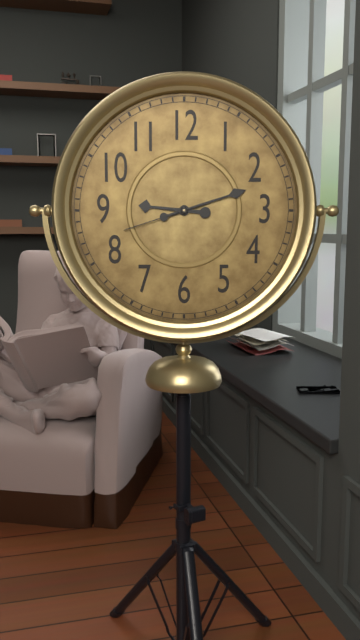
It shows {"hour": 9, "minute": 12, "second": 42}
